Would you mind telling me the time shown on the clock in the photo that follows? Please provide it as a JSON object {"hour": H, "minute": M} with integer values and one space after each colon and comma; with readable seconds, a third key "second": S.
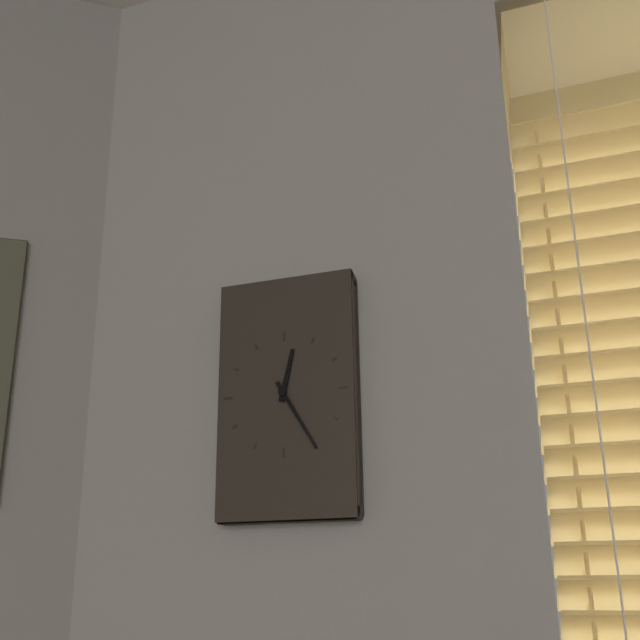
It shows {"hour": 12, "minute": 25}
